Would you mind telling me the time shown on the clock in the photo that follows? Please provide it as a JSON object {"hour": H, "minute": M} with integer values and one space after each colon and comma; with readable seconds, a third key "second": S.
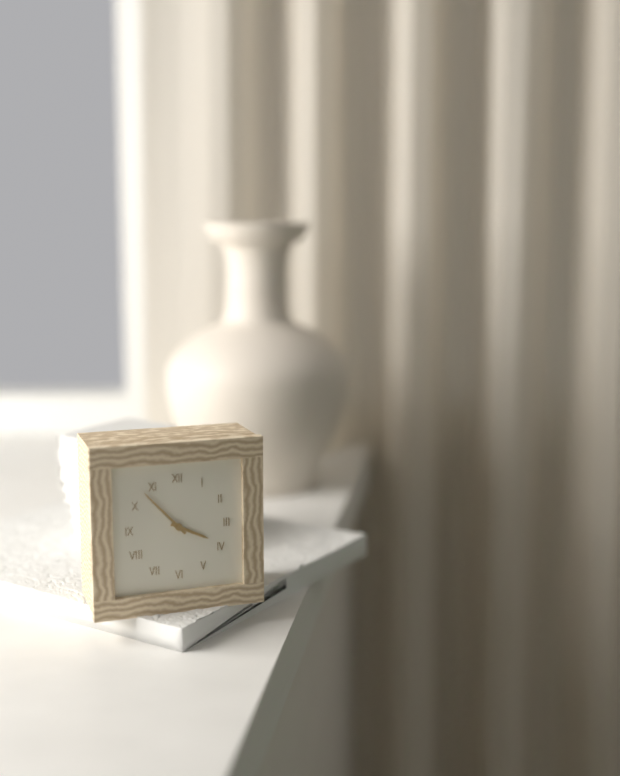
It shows {"hour": 3, "minute": 53}
